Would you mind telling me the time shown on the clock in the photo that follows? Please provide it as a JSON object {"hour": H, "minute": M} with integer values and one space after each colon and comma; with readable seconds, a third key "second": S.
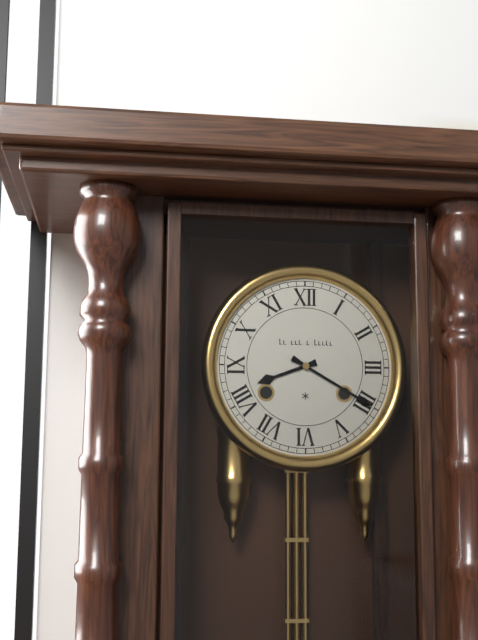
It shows {"hour": 8, "minute": 20}
